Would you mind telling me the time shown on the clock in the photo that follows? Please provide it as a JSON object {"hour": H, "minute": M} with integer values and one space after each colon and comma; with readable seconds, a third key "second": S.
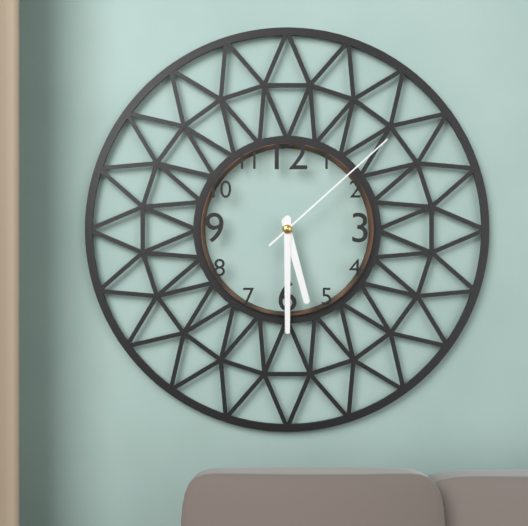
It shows {"hour": 5, "minute": 30, "second": 8}
